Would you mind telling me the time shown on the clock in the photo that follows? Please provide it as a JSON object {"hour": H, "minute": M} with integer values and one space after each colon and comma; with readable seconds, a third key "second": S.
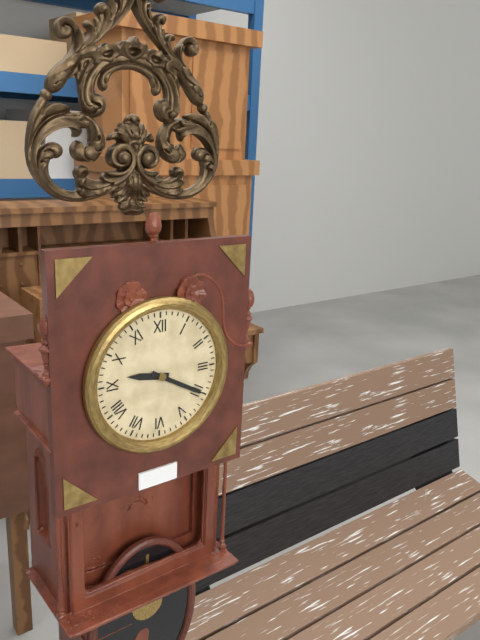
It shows {"hour": 9, "minute": 20}
